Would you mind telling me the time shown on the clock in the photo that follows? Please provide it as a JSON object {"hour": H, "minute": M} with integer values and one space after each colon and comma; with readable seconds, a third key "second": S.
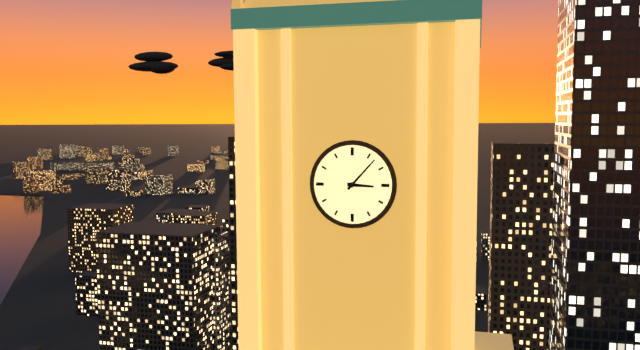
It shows {"hour": 3, "minute": 7}
